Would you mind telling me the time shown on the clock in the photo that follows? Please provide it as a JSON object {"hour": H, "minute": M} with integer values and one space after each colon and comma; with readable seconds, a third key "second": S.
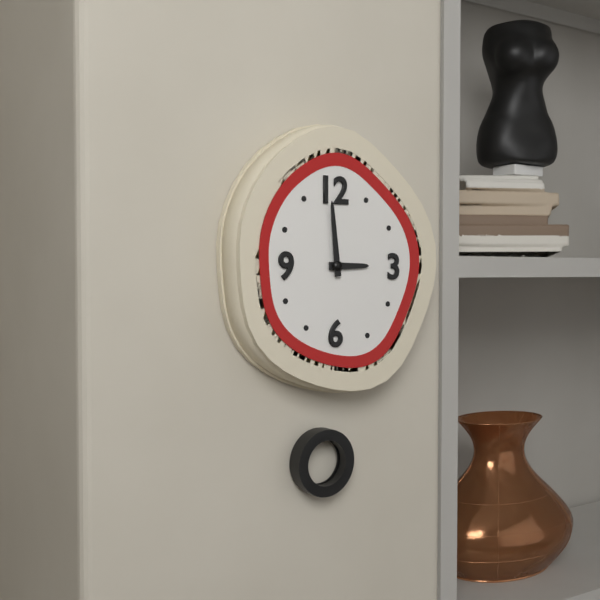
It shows {"hour": 2, "minute": 59}
